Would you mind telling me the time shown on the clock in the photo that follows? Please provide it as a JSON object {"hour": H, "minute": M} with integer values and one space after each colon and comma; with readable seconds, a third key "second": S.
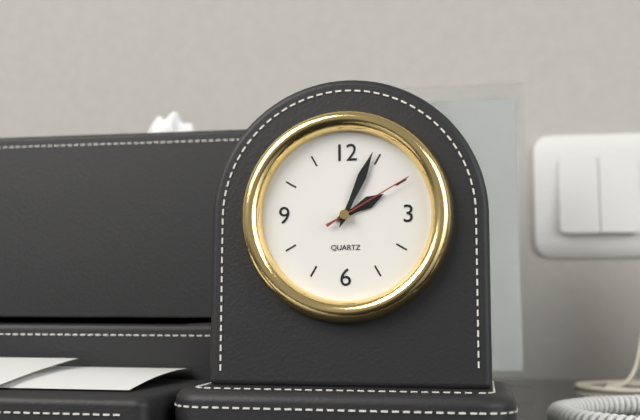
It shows {"hour": 2, "minute": 4, "second": 10}
